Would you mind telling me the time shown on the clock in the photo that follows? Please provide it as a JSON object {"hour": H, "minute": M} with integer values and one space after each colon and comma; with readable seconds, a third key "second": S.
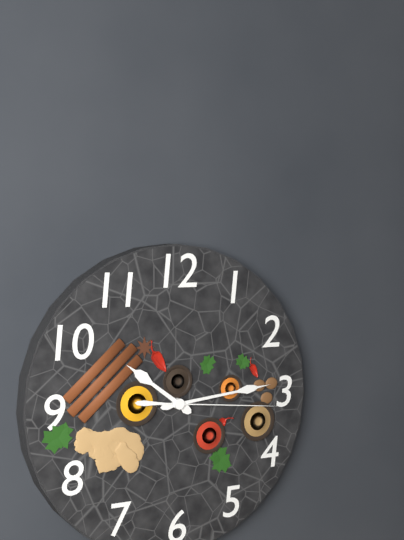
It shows {"hour": 10, "minute": 14, "second": 16}
